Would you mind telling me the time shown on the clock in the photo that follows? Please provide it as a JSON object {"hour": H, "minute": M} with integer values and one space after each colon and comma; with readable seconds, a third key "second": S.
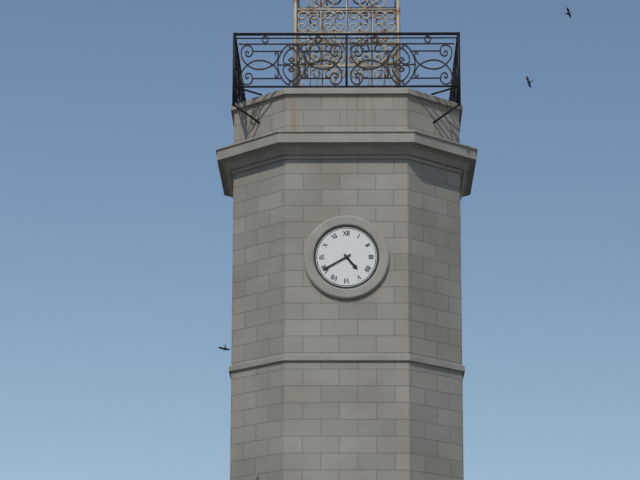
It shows {"hour": 4, "minute": 40}
